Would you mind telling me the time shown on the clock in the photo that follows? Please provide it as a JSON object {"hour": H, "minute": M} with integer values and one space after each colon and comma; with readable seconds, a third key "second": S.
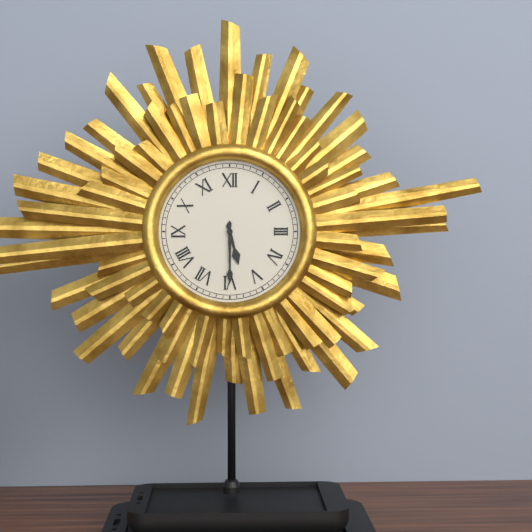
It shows {"hour": 5, "minute": 30}
